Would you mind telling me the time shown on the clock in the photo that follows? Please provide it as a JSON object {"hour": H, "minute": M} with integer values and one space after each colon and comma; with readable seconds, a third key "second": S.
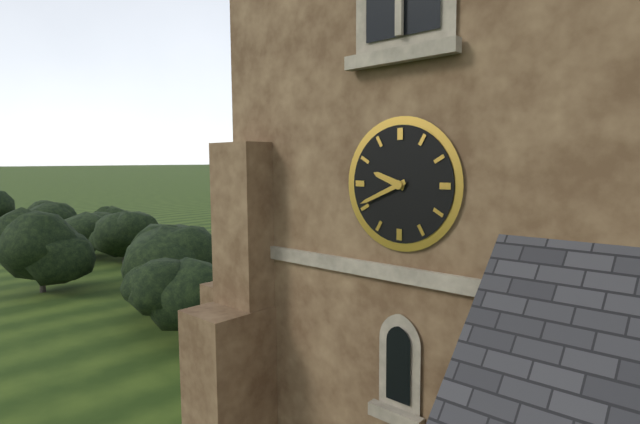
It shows {"hour": 9, "minute": 41}
